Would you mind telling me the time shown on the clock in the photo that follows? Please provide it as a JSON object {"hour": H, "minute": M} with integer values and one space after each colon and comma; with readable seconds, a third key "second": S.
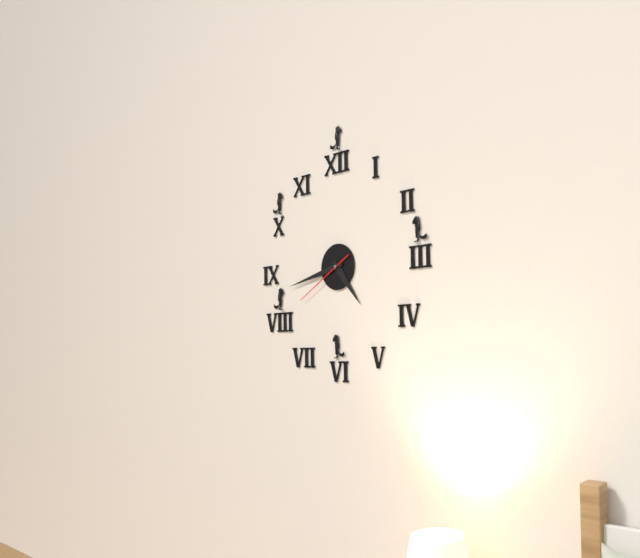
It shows {"hour": 4, "minute": 43, "second": 40}
